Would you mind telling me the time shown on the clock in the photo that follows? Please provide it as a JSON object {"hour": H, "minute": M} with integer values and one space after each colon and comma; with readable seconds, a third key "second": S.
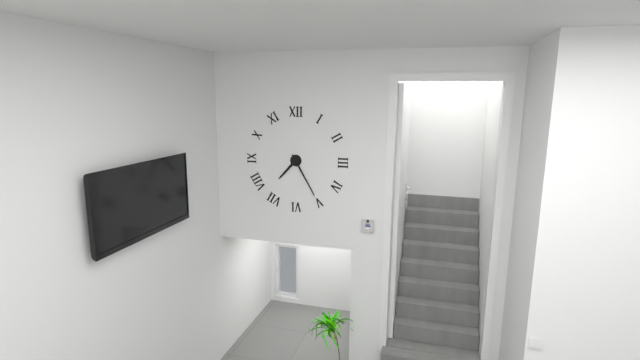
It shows {"hour": 7, "minute": 25}
